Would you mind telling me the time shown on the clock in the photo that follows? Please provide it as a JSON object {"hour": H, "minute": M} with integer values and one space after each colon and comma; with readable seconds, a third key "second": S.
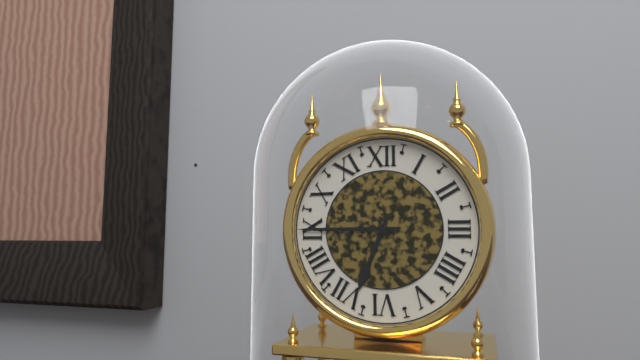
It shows {"hour": 6, "minute": 45}
